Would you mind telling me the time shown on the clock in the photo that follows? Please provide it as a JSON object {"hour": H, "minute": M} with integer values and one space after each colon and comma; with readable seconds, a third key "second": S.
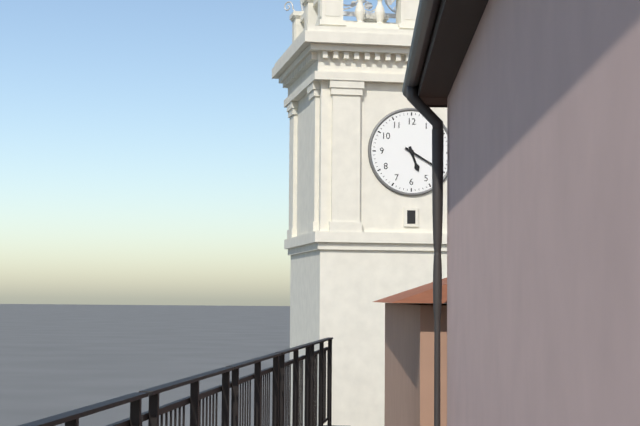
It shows {"hour": 5, "minute": 20}
